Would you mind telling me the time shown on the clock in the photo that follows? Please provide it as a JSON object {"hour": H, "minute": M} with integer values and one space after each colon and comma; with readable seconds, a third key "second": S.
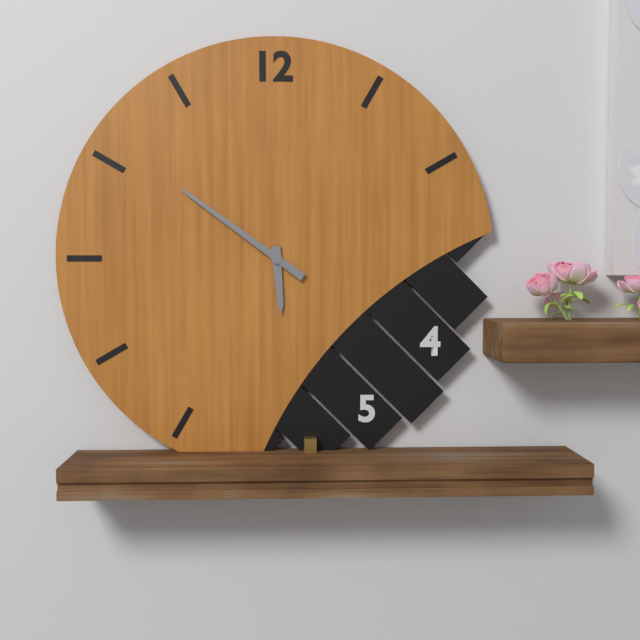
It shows {"hour": 5, "minute": 51}
